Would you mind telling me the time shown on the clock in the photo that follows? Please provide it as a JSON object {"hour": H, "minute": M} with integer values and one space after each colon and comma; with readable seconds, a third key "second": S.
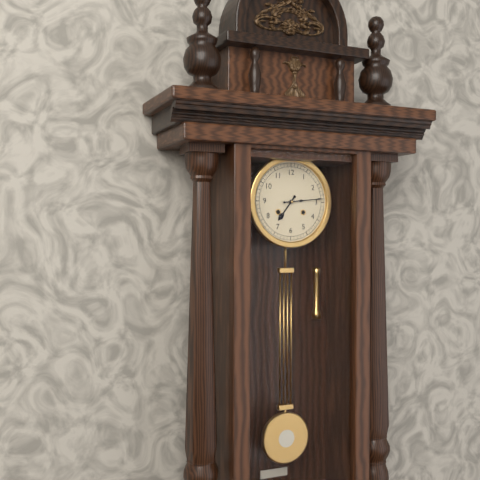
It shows {"hour": 7, "minute": 14}
